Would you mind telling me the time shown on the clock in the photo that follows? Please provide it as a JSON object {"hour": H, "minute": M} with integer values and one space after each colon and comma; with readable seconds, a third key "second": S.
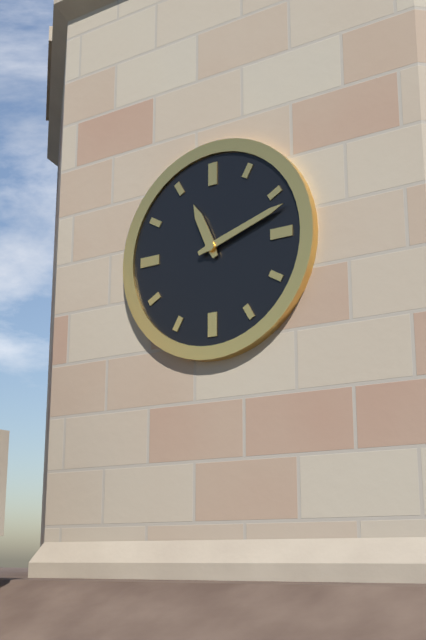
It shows {"hour": 11, "minute": 12}
